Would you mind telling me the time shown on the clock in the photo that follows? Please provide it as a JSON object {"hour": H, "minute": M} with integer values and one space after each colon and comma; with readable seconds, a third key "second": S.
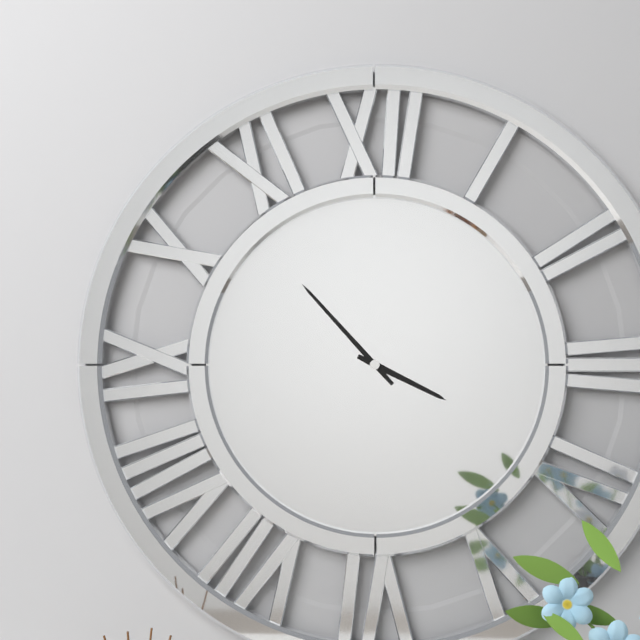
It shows {"hour": 3, "minute": 53}
